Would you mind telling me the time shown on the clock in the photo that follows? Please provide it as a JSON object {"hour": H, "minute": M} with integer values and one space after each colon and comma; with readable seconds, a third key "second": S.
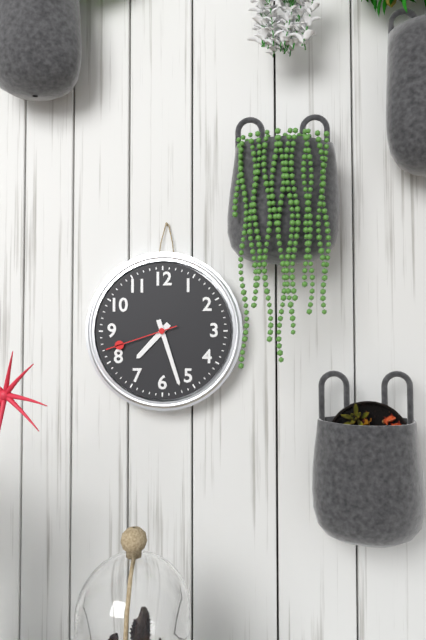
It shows {"hour": 7, "minute": 27, "second": 42}
